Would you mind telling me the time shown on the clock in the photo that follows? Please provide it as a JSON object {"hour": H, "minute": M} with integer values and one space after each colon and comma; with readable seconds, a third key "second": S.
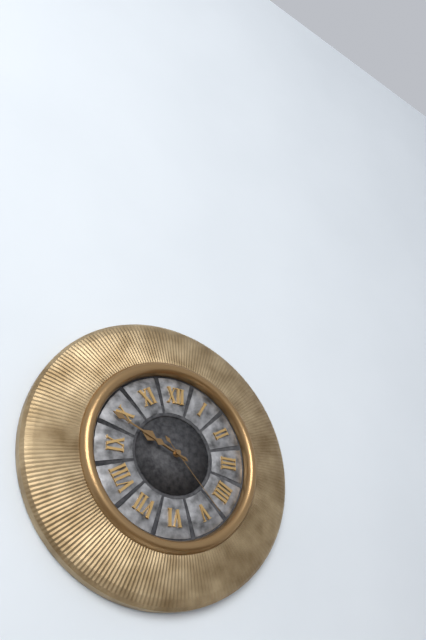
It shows {"hour": 9, "minute": 49, "second": 23}
